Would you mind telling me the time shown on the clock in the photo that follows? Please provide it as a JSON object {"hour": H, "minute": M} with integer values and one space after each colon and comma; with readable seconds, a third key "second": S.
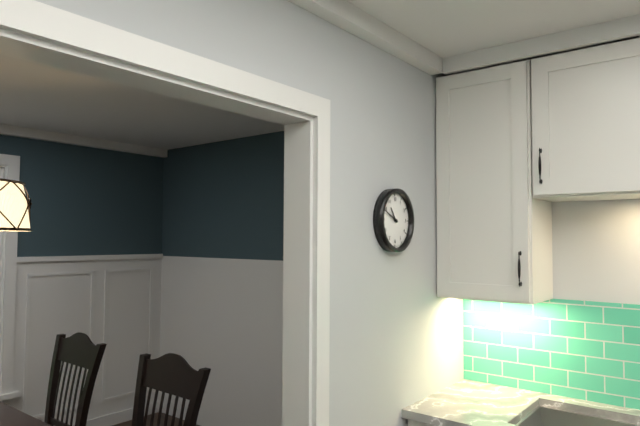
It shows {"hour": 10, "minute": 49}
